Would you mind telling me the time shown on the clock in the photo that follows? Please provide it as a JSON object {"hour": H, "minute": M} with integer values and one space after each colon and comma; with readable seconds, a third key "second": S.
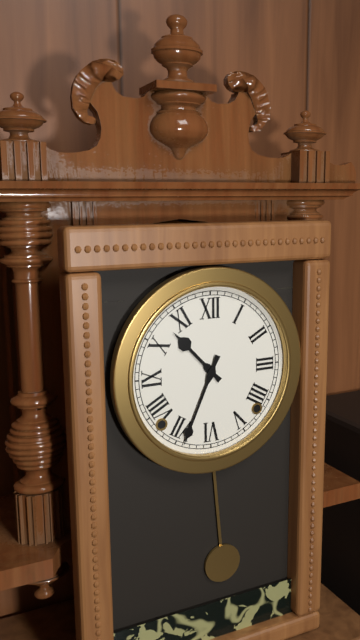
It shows {"hour": 10, "minute": 34}
